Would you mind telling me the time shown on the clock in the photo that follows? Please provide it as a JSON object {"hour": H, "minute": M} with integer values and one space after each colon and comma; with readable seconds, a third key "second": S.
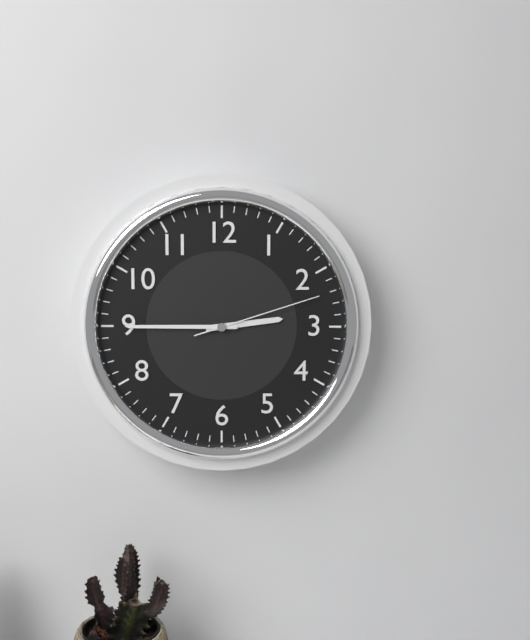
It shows {"hour": 2, "minute": 45, "second": 12}
